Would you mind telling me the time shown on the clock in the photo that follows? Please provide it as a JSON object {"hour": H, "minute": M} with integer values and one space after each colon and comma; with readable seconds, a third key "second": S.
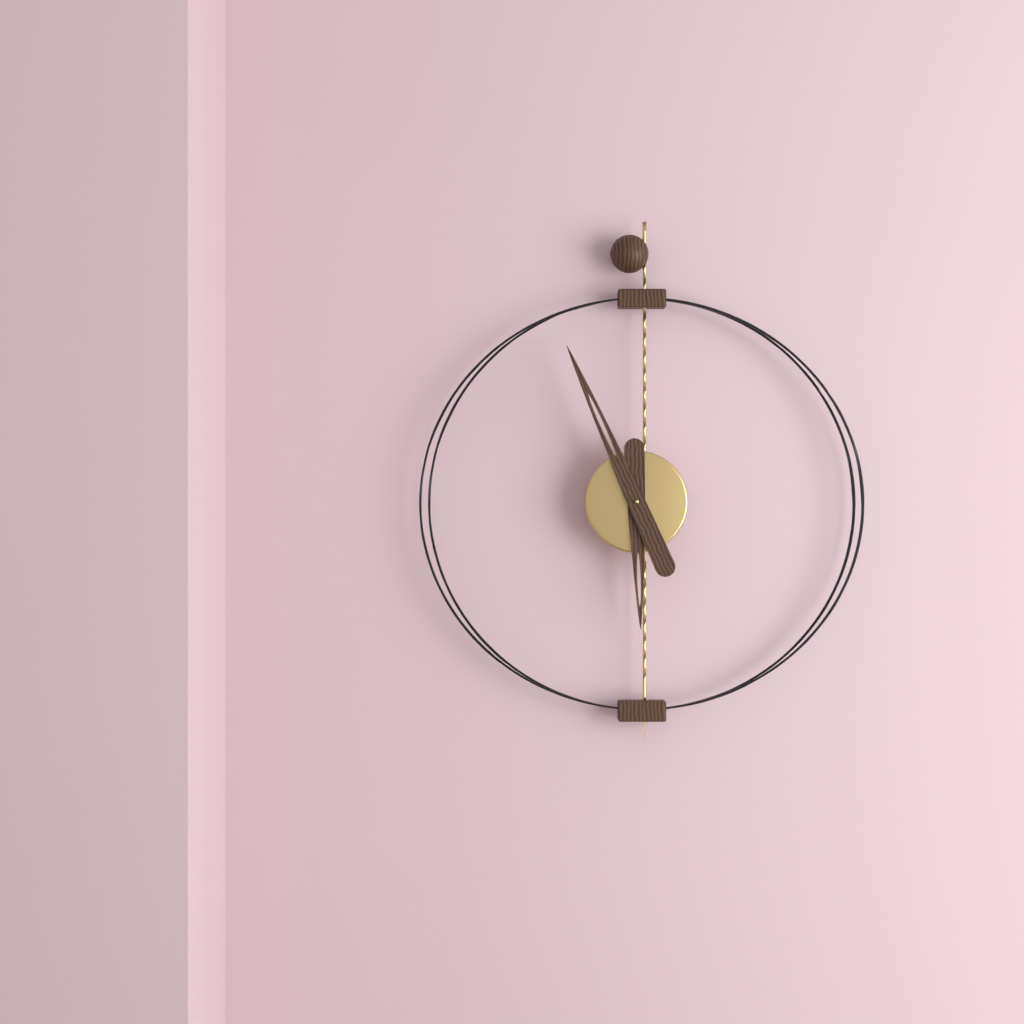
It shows {"hour": 5, "minute": 56}
